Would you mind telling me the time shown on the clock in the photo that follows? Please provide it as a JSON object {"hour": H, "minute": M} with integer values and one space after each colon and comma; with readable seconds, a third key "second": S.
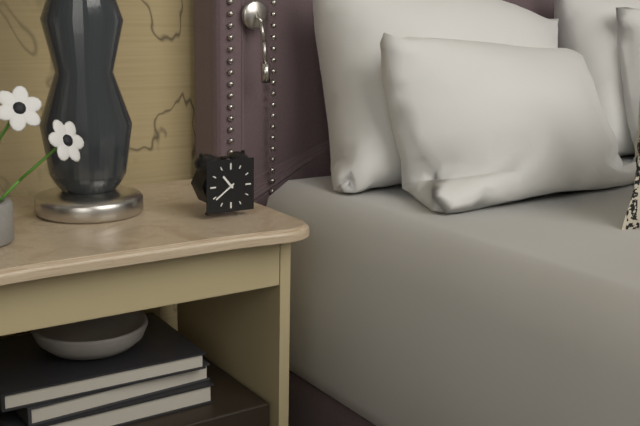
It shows {"hour": 10, "minute": 39}
